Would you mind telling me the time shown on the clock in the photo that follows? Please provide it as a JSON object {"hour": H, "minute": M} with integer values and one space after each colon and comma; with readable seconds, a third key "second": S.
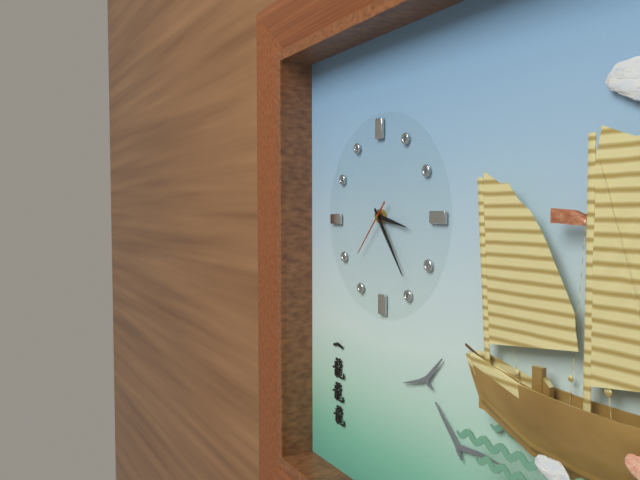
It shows {"hour": 3, "minute": 24, "second": 37}
